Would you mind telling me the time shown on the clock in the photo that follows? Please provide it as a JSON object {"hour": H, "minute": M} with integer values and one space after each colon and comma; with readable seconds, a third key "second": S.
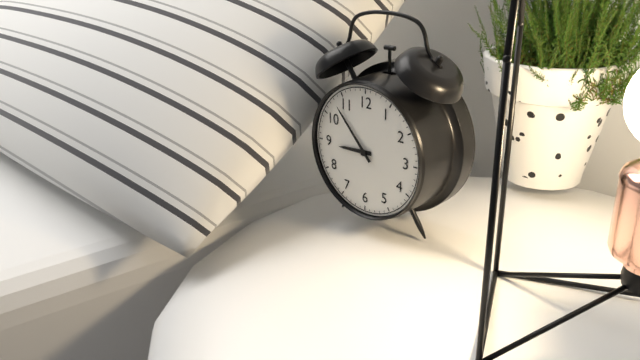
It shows {"hour": 8, "minute": 53}
